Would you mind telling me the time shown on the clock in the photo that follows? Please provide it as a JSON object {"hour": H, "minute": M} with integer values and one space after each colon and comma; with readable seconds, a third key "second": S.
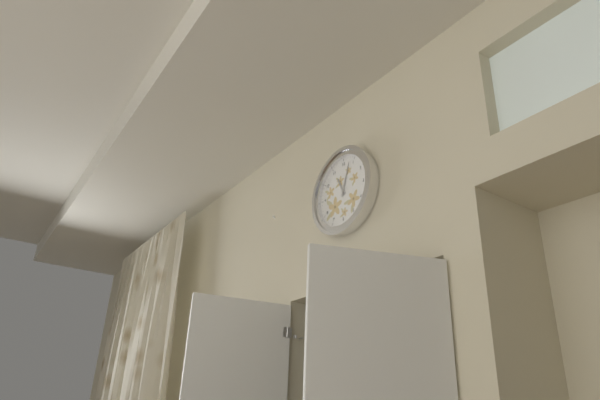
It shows {"hour": 11, "minute": 3}
